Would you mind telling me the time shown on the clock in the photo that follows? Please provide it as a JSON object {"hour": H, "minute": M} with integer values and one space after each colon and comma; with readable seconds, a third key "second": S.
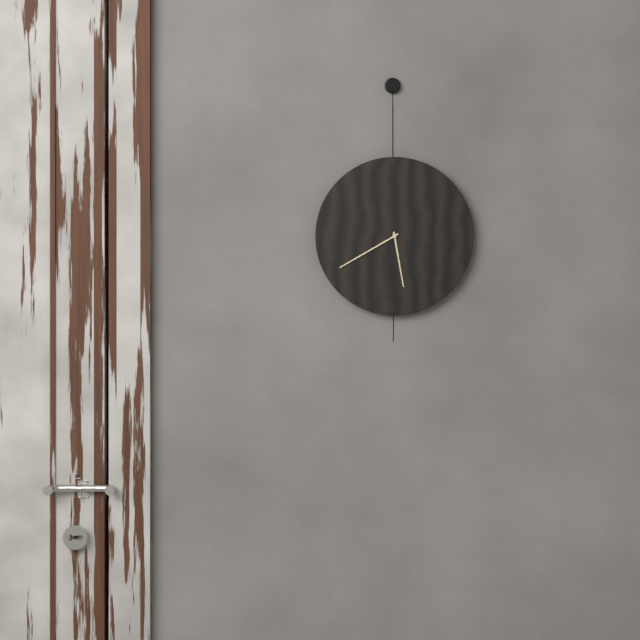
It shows {"hour": 5, "minute": 40}
